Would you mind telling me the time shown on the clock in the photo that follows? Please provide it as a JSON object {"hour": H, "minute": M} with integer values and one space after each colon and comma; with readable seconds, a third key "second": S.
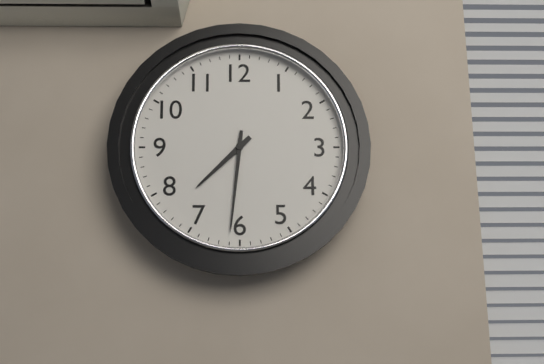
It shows {"hour": 7, "minute": 31}
